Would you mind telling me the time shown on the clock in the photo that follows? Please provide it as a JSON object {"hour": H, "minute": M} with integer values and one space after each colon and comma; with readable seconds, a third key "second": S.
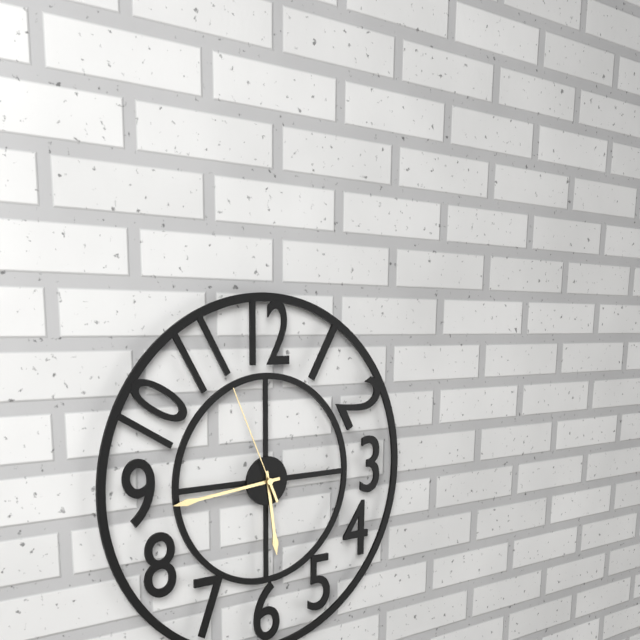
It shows {"hour": 5, "minute": 44, "second": 56}
